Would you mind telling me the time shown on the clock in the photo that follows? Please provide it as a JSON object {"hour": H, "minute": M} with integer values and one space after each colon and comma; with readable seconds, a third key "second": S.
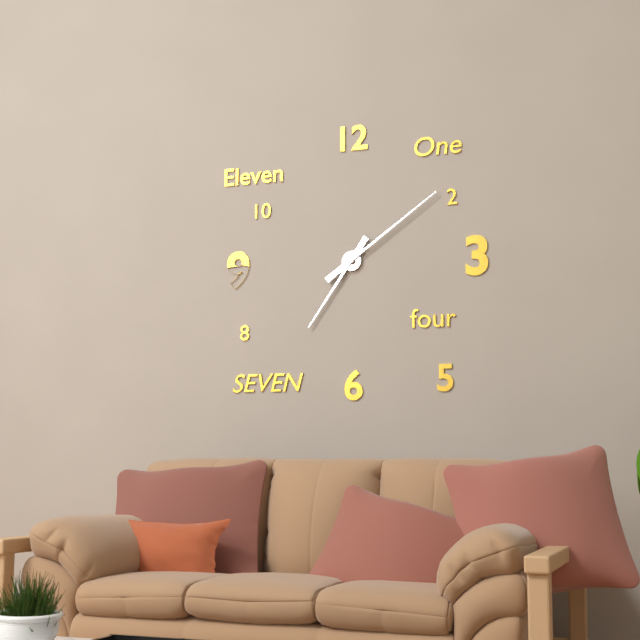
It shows {"hour": 7, "minute": 9}
